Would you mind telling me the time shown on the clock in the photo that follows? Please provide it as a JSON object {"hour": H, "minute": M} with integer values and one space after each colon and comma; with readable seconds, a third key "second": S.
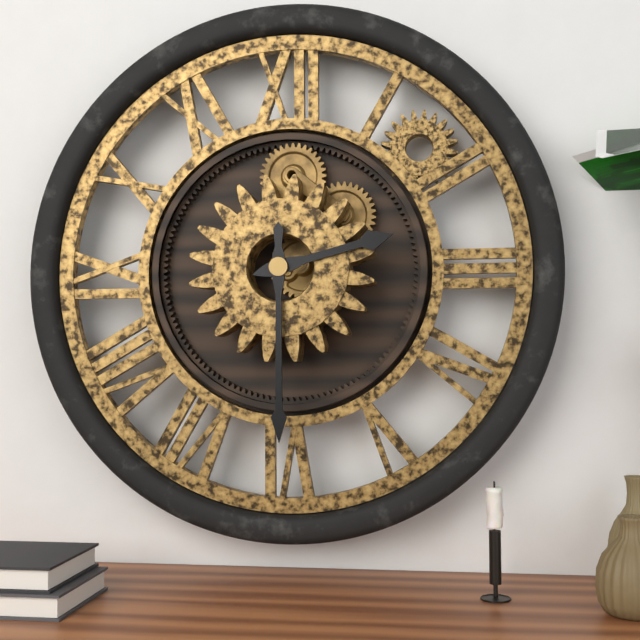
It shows {"hour": 2, "minute": 30}
